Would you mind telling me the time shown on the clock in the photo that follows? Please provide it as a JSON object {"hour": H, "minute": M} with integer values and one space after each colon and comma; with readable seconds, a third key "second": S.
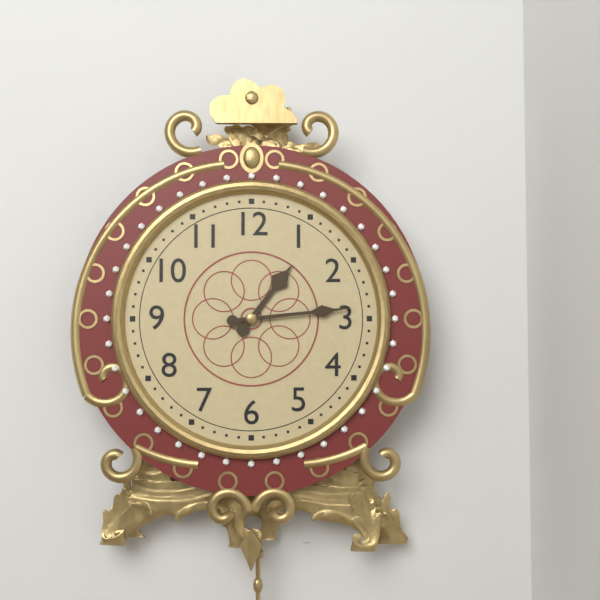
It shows {"hour": 1, "minute": 14}
